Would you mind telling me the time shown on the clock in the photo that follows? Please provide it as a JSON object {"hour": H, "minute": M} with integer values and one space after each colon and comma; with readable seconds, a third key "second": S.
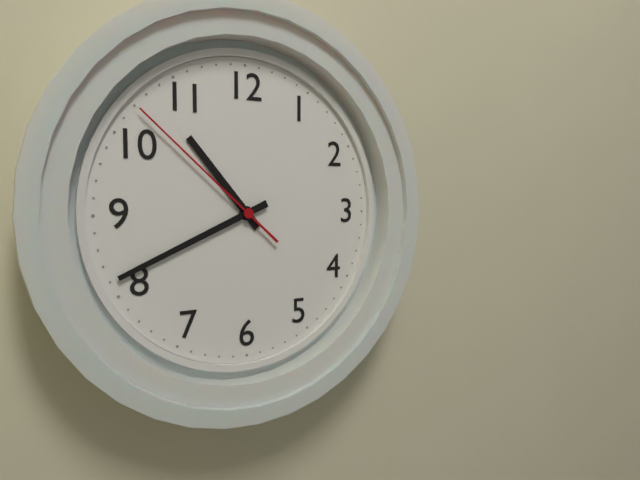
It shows {"hour": 10, "minute": 41, "second": 52}
